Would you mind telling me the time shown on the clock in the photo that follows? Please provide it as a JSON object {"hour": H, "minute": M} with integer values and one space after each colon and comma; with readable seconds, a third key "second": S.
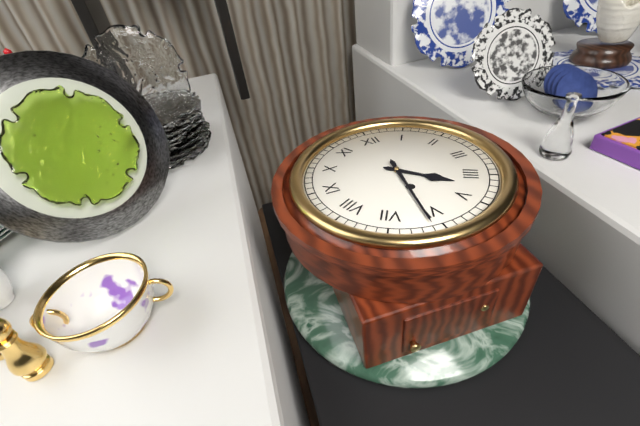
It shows {"hour": 4, "minute": 31}
